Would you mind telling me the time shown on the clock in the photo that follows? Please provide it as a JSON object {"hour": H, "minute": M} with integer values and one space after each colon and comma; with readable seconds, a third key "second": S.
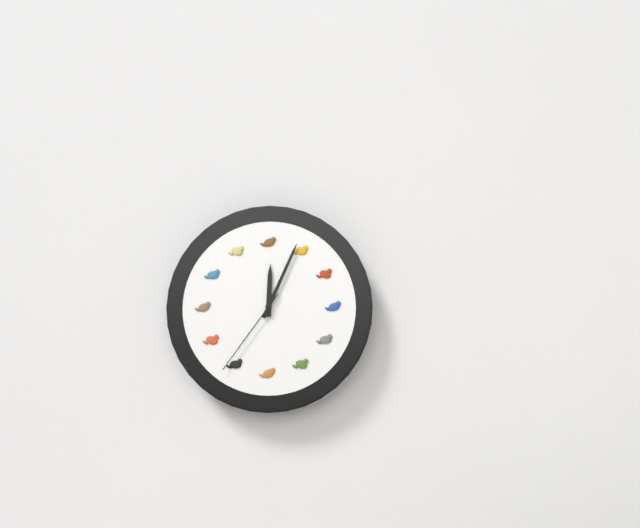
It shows {"hour": 12, "minute": 4, "second": 36}
